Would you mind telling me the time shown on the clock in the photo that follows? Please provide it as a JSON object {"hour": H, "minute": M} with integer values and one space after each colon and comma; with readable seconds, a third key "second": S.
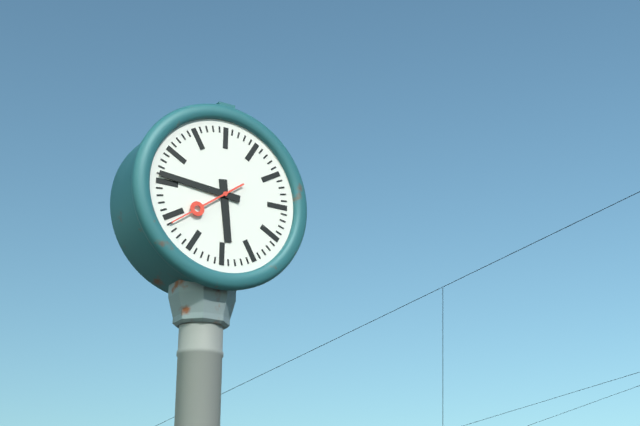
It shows {"hour": 5, "minute": 46, "second": 39}
